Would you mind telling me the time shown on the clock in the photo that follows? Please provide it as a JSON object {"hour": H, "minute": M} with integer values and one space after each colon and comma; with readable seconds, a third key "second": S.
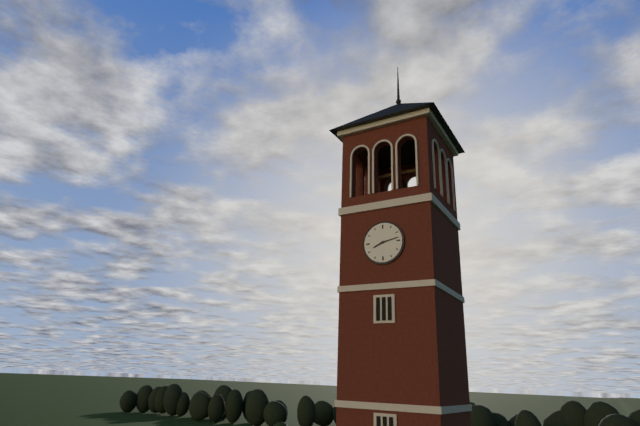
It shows {"hour": 8, "minute": 13}
